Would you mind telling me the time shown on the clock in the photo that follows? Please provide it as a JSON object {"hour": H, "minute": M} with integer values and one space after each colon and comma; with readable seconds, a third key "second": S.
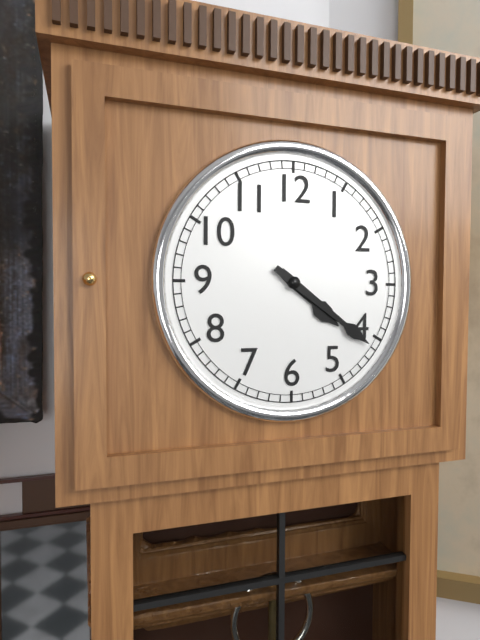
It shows {"hour": 4, "minute": 21}
